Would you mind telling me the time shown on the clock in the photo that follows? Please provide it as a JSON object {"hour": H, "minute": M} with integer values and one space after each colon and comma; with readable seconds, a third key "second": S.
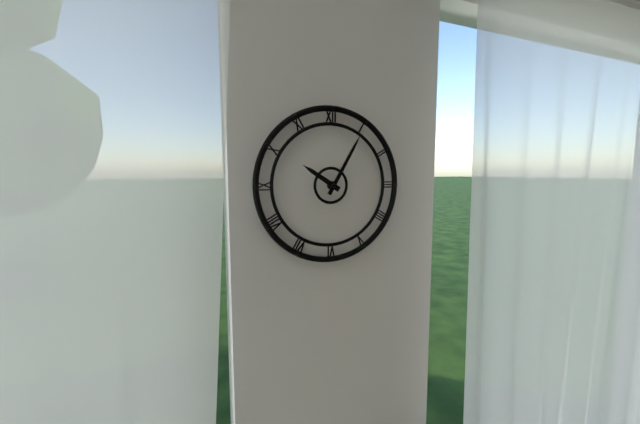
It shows {"hour": 10, "minute": 5}
